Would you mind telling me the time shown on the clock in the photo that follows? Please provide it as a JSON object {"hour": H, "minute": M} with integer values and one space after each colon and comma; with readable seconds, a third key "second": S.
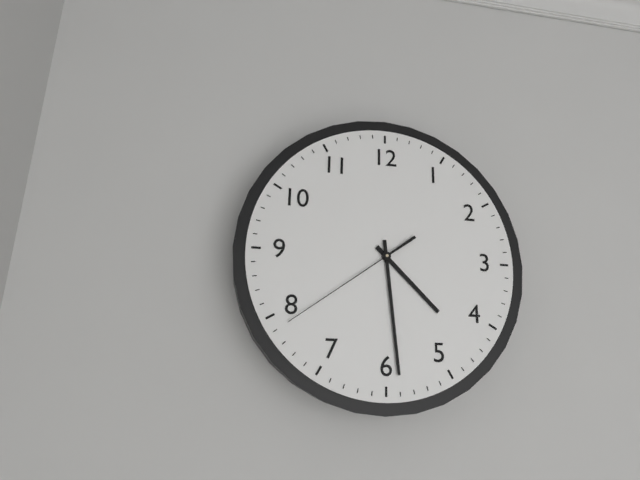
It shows {"hour": 4, "minute": 29, "second": 39}
